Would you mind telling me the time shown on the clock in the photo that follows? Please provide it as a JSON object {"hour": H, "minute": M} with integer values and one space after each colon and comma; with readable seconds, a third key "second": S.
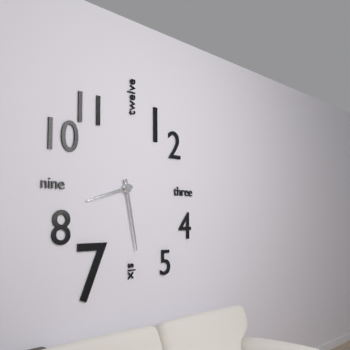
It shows {"hour": 8, "minute": 28}
